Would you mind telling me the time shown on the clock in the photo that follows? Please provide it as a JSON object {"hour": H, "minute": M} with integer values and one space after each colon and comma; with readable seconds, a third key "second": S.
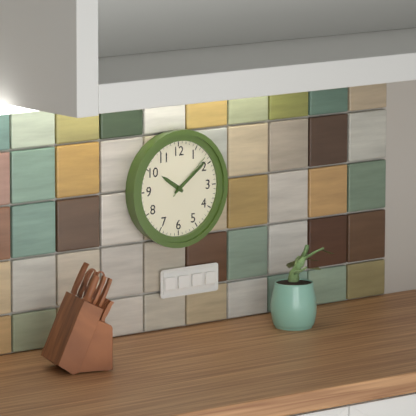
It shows {"hour": 10, "minute": 9, "second": 8}
